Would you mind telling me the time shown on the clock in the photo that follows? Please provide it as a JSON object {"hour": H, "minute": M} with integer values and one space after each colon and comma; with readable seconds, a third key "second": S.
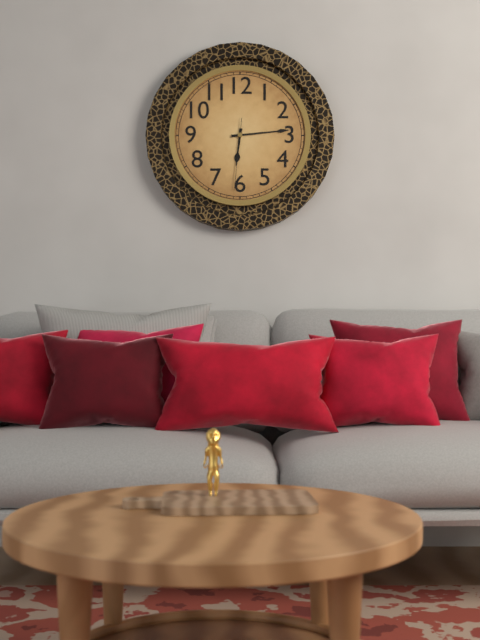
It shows {"hour": 6, "minute": 14, "second": 31}
